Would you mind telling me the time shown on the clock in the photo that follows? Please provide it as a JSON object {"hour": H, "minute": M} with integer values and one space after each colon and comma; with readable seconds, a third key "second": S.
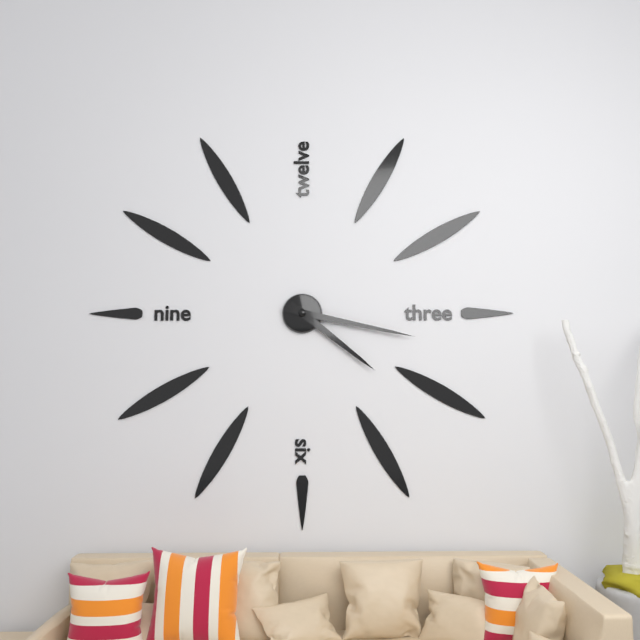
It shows {"hour": 4, "minute": 17}
